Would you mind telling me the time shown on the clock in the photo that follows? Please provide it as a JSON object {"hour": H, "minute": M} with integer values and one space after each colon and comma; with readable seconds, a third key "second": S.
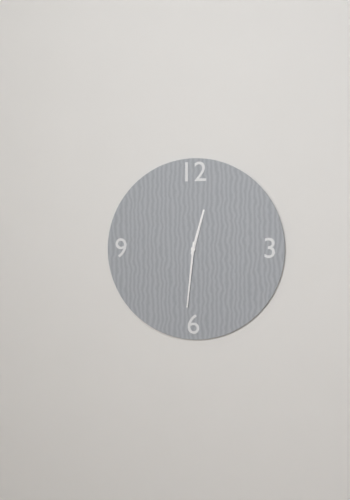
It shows {"hour": 12, "minute": 31}
